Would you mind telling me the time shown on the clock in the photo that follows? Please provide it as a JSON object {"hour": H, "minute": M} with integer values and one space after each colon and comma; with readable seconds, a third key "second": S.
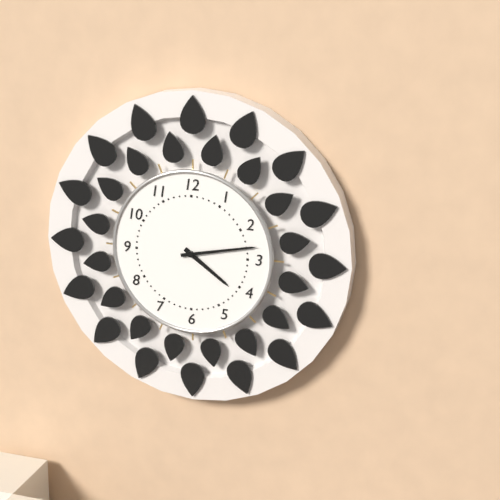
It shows {"hour": 4, "minute": 13}
